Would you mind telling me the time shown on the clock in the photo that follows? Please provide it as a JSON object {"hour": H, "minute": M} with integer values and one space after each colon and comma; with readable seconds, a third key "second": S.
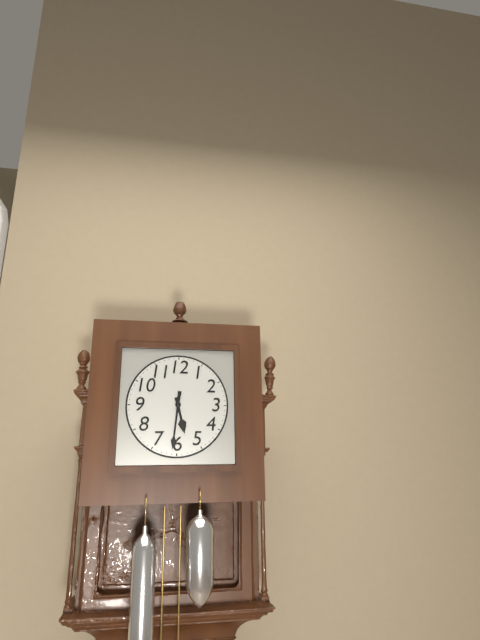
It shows {"hour": 5, "minute": 31}
